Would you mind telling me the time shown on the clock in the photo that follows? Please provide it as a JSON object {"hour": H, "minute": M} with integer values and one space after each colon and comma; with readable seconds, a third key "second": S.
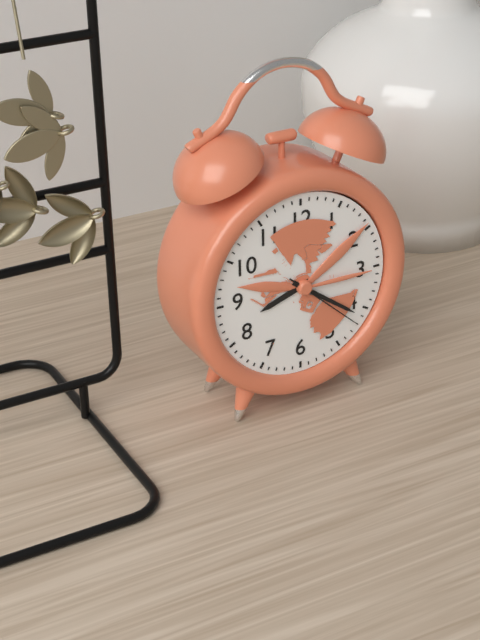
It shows {"hour": 8, "minute": 21, "second": 22}
